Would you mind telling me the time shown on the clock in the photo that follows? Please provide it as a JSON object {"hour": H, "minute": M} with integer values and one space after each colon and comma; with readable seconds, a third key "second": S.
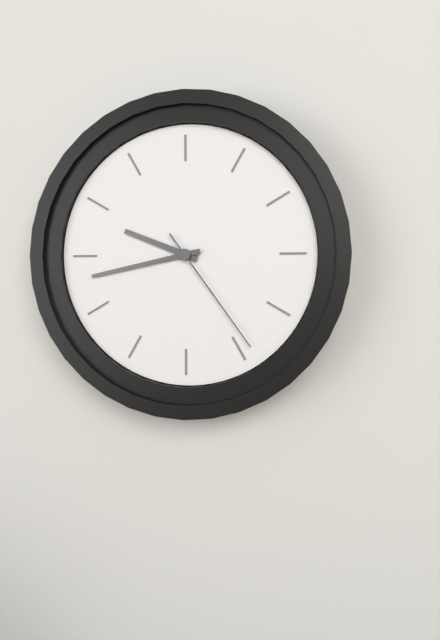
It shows {"hour": 9, "minute": 43, "second": 24}
